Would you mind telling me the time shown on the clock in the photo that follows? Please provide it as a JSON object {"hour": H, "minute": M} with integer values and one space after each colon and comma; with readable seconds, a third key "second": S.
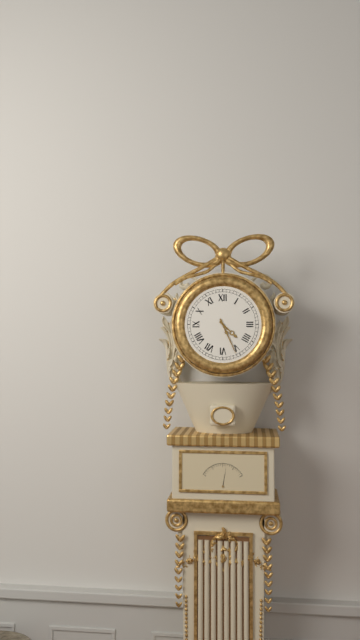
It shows {"hour": 4, "minute": 26}
